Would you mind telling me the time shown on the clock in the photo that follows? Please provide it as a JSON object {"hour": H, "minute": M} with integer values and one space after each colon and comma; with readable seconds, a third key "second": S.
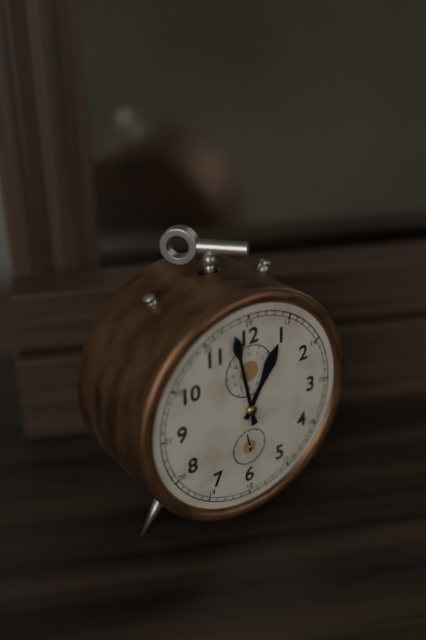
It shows {"hour": 12, "minute": 58}
